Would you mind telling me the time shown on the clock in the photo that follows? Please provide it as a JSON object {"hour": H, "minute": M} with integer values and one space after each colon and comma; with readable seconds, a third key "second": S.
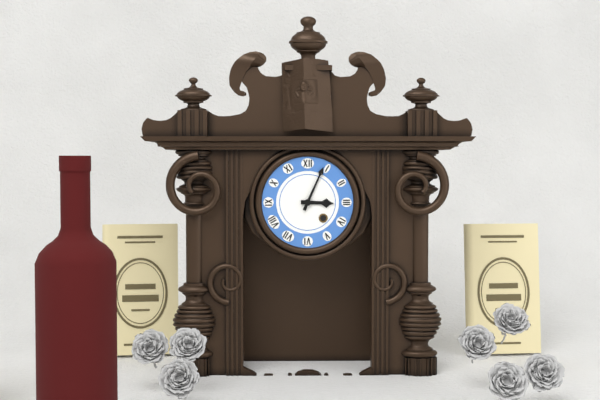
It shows {"hour": 3, "minute": 4}
